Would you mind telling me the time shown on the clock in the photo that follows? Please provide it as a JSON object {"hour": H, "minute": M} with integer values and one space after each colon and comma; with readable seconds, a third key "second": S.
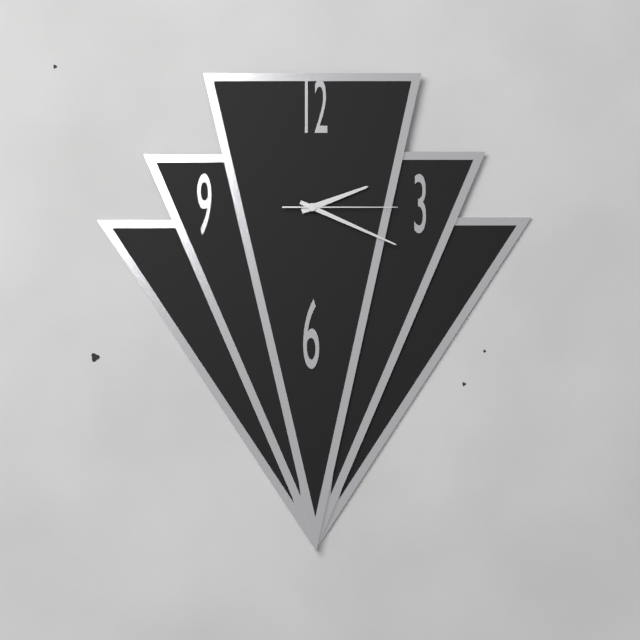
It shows {"hour": 2, "minute": 19, "second": 15}
